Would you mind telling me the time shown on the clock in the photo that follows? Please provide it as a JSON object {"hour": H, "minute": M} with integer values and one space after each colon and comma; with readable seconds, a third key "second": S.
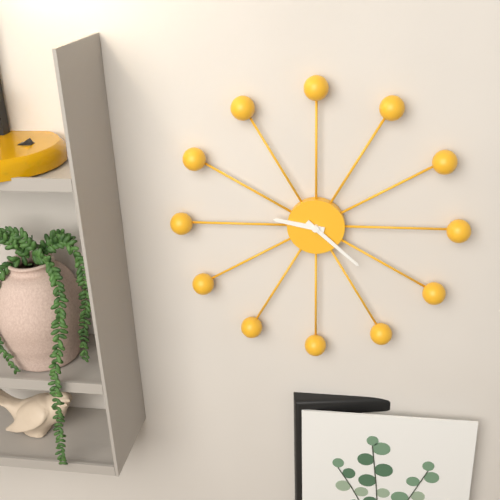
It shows {"hour": 9, "minute": 22}
